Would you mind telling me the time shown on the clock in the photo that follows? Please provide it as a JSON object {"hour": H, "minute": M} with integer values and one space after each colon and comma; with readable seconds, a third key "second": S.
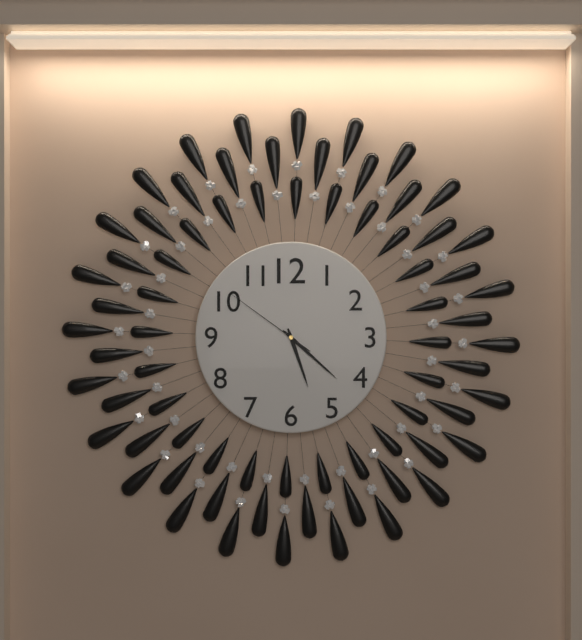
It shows {"hour": 5, "minute": 22, "second": 51}
